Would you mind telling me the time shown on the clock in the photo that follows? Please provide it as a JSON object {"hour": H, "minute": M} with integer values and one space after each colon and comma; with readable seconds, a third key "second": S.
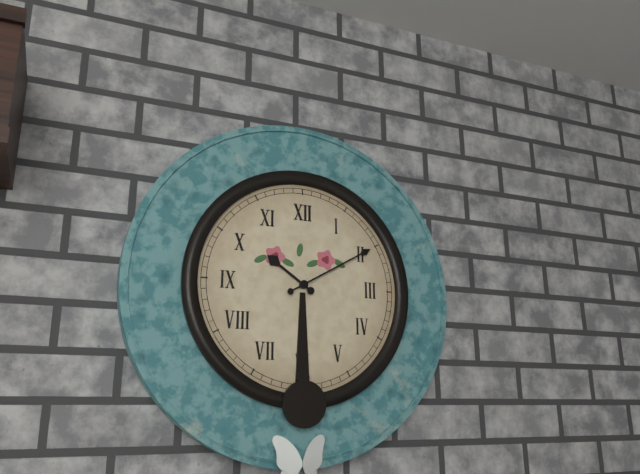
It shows {"hour": 10, "minute": 10}
